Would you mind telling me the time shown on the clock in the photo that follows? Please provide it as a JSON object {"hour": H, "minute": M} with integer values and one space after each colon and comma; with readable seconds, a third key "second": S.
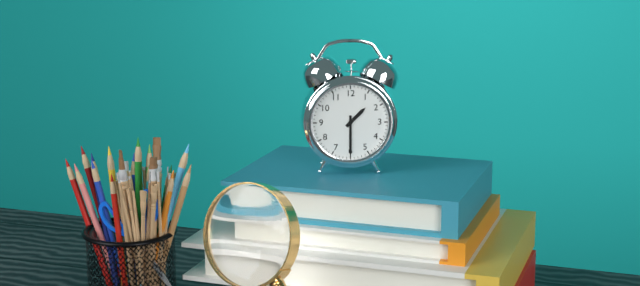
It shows {"hour": 1, "minute": 30}
